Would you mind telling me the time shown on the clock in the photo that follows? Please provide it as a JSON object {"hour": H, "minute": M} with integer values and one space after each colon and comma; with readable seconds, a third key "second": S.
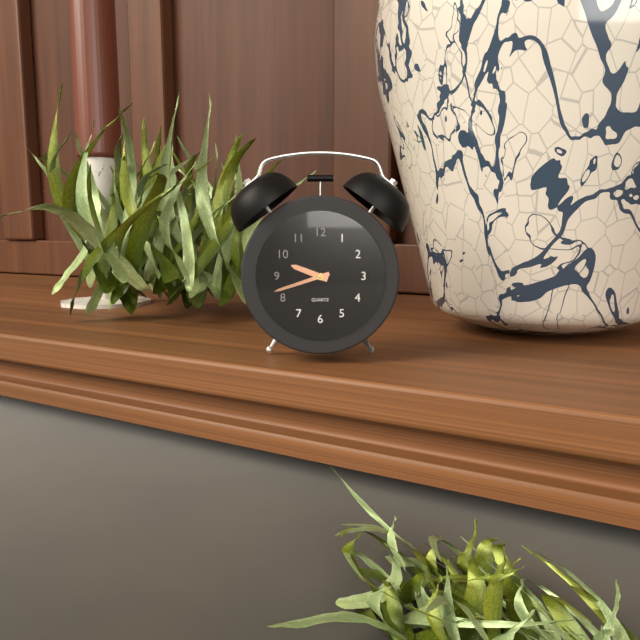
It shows {"hour": 9, "minute": 42}
